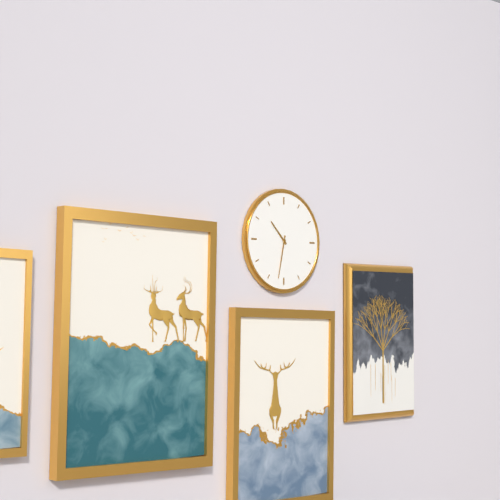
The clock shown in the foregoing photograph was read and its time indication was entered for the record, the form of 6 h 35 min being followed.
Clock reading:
10 h 32 min
